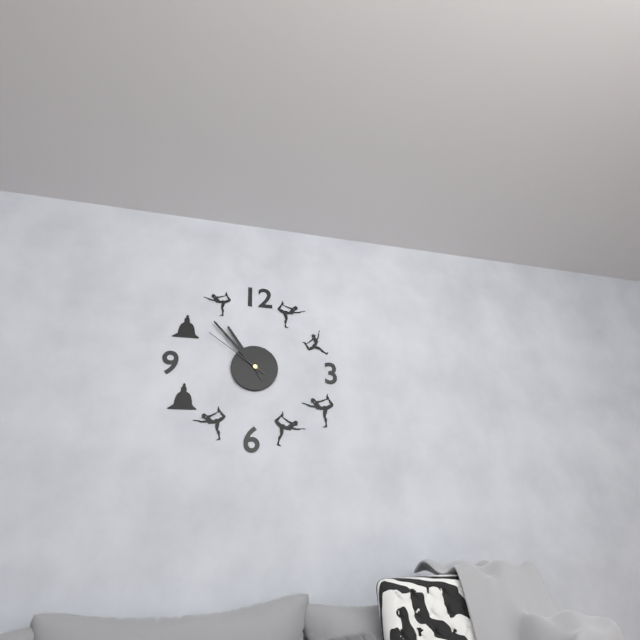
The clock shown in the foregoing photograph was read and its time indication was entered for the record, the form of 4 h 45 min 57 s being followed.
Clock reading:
10 h 53 min 51 s
